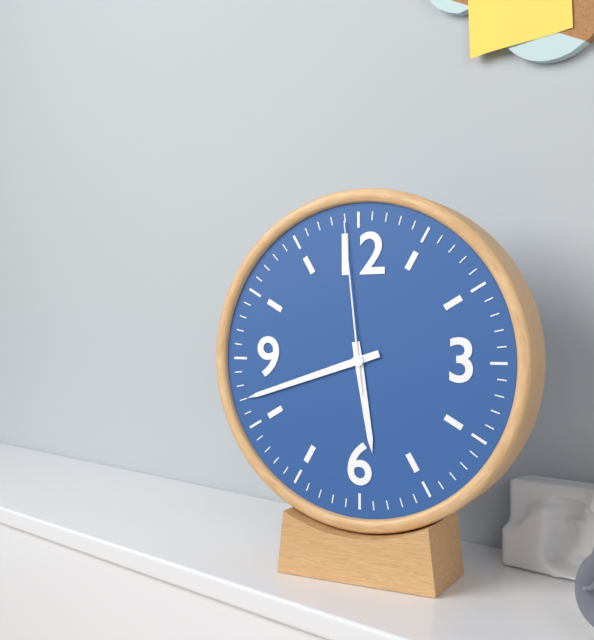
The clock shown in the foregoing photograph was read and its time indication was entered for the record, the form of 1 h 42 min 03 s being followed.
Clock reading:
5 h 42 min 59 s
